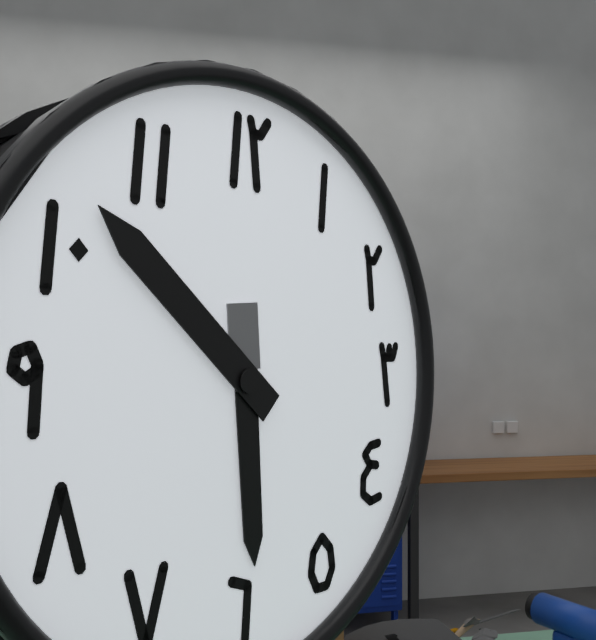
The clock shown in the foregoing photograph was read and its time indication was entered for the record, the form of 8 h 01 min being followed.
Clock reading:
5 h 52 min
